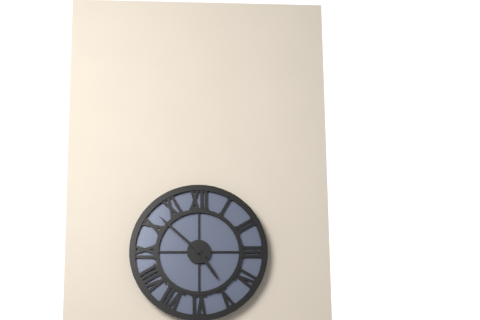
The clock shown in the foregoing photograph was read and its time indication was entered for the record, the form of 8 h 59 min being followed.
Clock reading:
4 h 52 min
